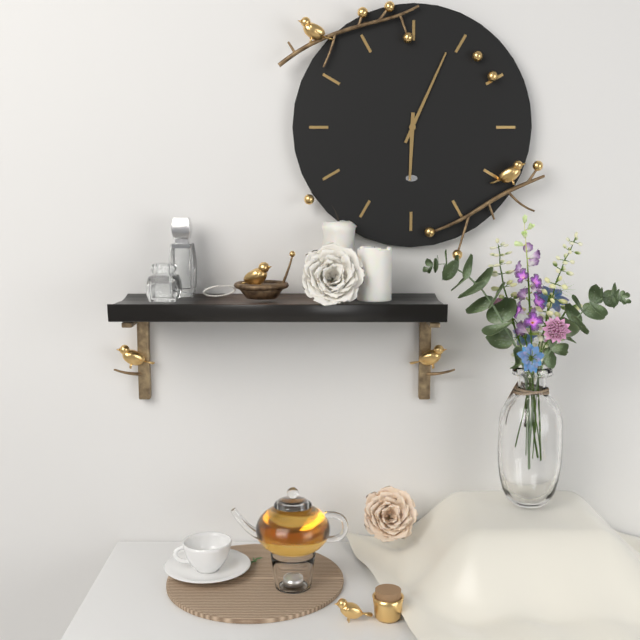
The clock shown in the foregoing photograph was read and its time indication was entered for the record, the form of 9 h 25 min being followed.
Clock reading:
6 h 04 min
